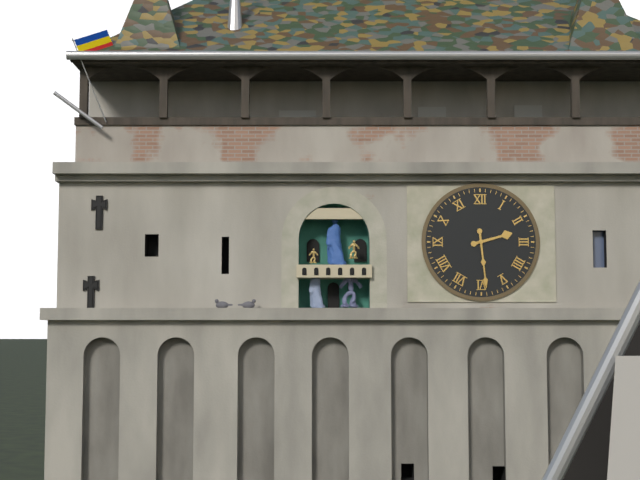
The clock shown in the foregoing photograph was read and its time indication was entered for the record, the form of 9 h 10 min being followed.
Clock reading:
2 h 29 min
